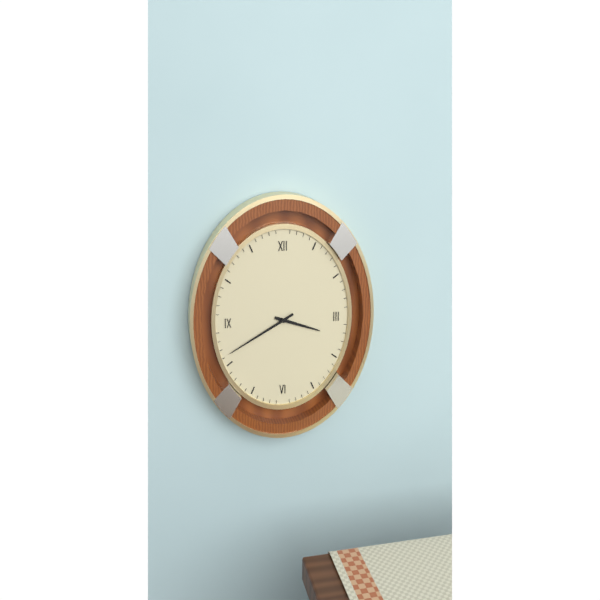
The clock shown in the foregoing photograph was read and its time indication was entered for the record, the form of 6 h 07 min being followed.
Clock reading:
3 h 40 min
